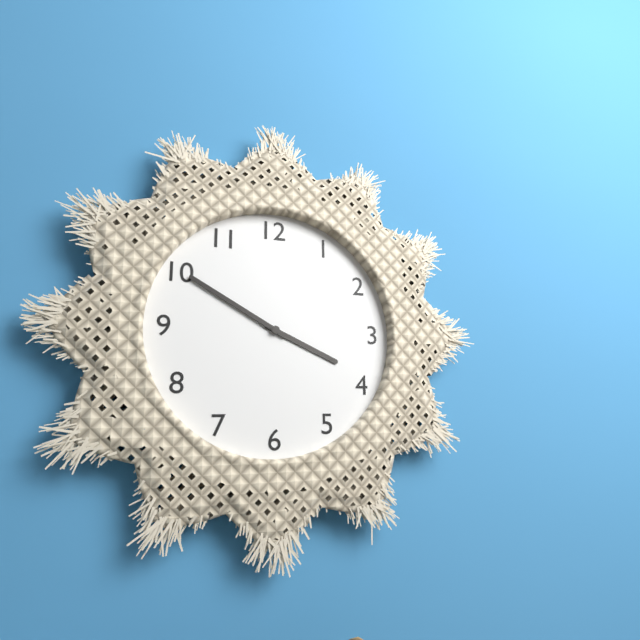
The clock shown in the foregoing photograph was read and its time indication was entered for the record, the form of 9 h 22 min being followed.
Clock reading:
3 h 50 min
